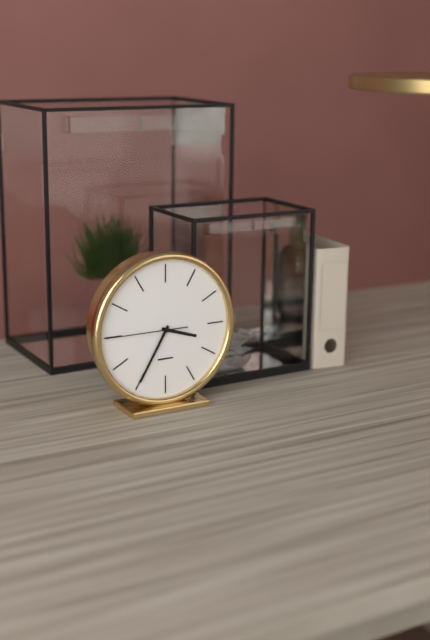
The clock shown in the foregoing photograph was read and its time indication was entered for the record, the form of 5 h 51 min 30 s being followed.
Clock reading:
3 h 35 min 45 s
